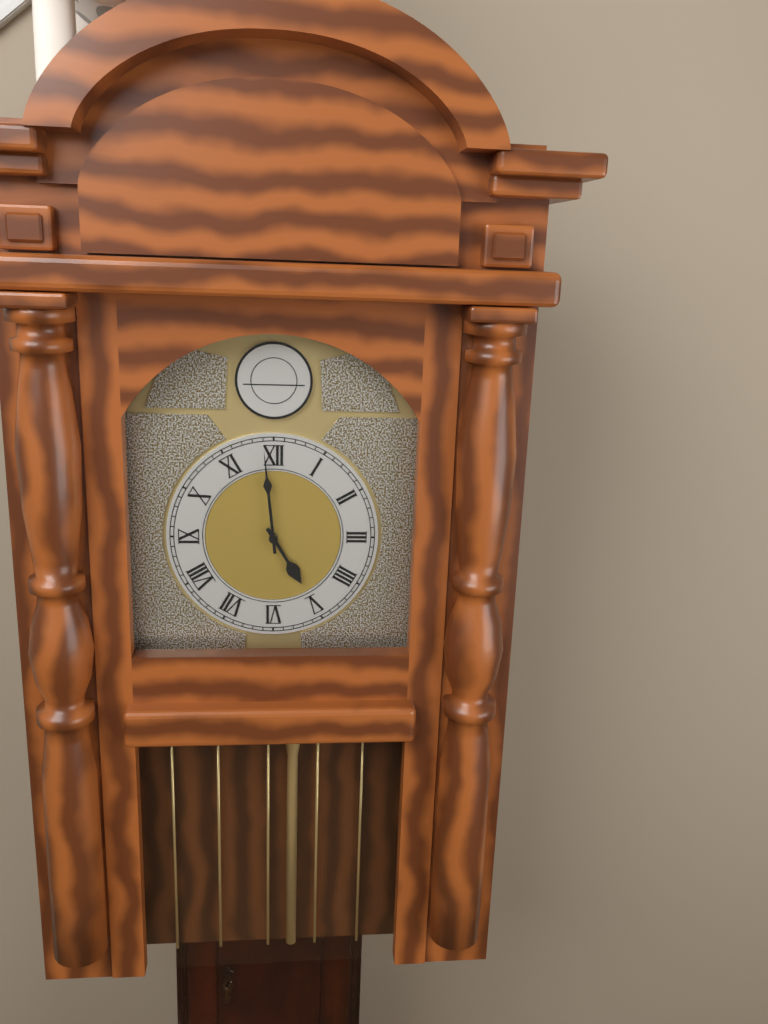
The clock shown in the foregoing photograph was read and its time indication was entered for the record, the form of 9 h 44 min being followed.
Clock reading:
4 h 59 min
